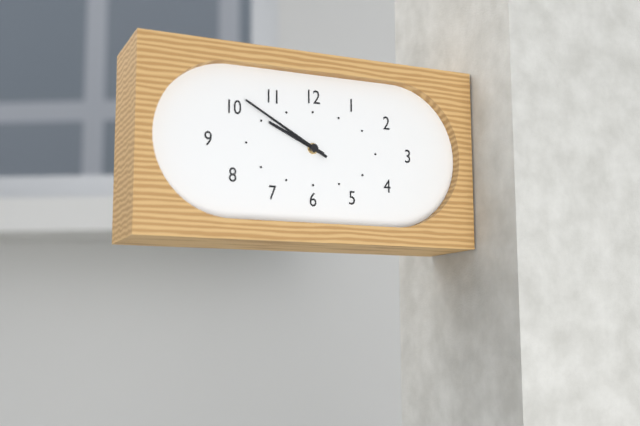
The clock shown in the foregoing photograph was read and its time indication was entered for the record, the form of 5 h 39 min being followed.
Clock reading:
9 h 50 min
